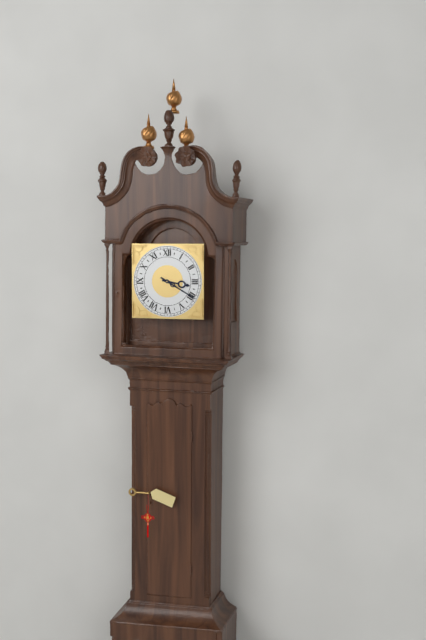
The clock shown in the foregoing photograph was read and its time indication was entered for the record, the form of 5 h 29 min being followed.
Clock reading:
3 h 20 min
